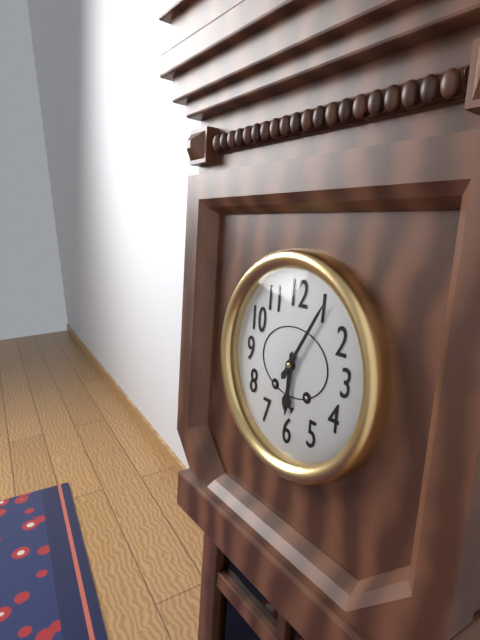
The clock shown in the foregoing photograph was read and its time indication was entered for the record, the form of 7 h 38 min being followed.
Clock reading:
6 h 05 min
